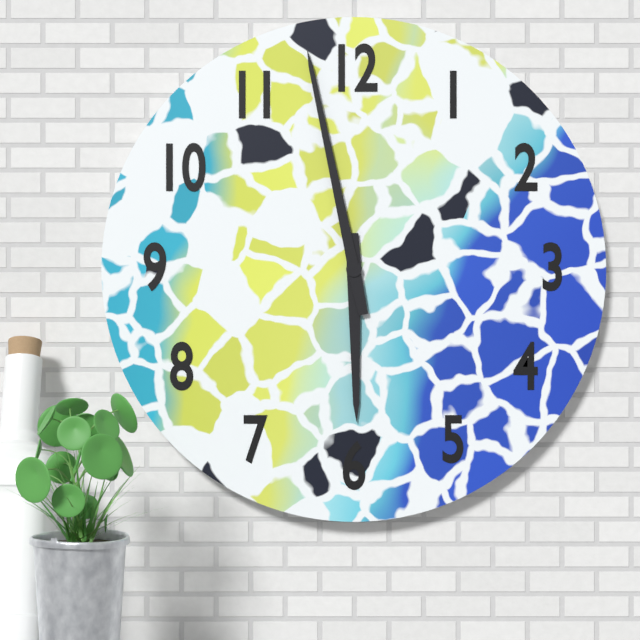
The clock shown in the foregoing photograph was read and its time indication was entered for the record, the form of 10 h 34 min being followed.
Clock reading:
5 h 58 min
